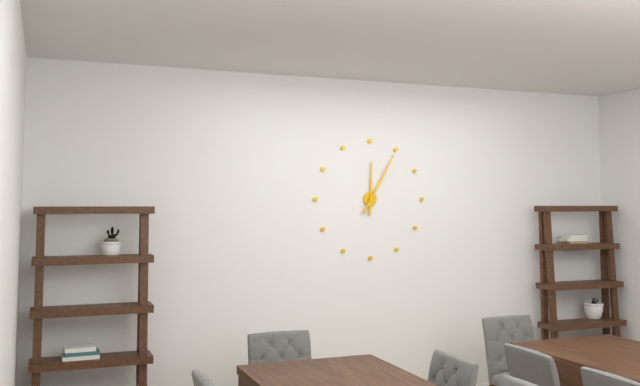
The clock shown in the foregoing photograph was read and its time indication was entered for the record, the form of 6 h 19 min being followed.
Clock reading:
12 h 05 min
